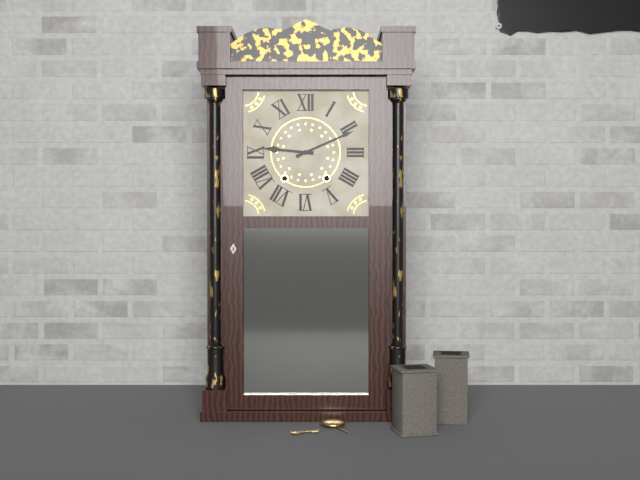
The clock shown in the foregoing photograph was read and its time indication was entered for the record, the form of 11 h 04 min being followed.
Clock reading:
9 h 11 min
